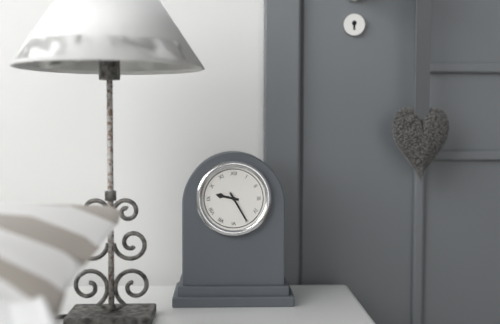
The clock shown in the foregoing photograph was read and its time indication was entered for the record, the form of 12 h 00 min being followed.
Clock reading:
9 h 25 min
